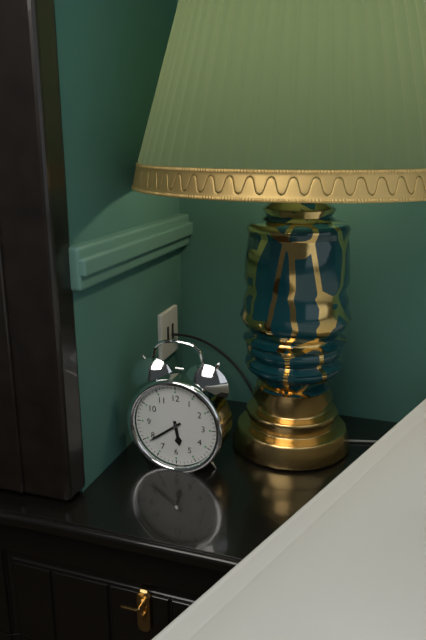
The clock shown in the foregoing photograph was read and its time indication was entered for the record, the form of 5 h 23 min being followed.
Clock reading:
5 h 39 min
